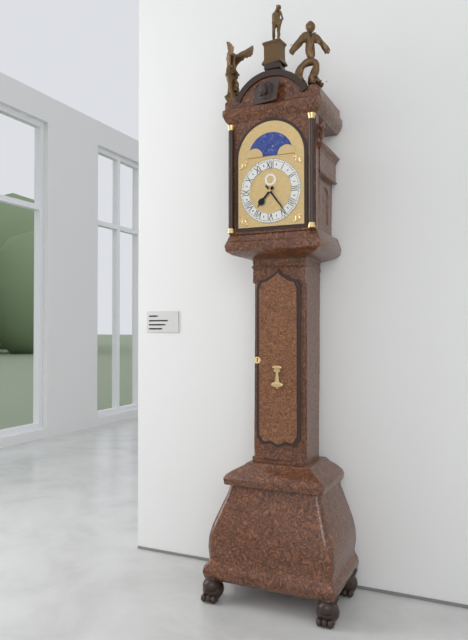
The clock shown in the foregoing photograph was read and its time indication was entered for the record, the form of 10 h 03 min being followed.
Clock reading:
7 h 24 min
